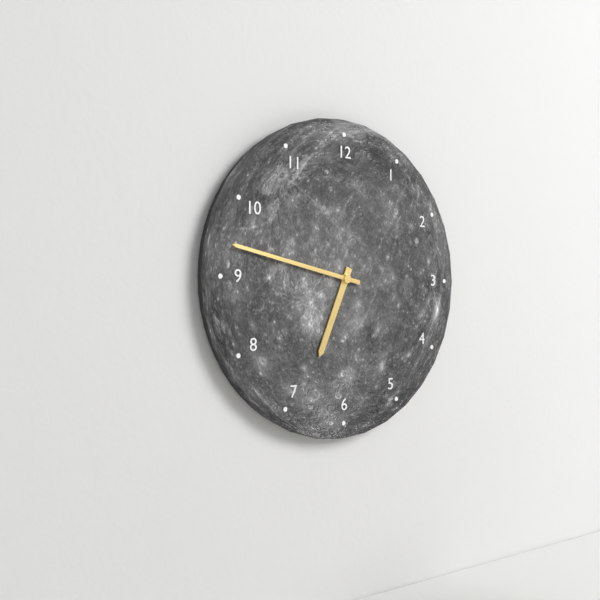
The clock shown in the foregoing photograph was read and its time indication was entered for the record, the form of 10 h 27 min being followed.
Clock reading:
6 h 47 min
